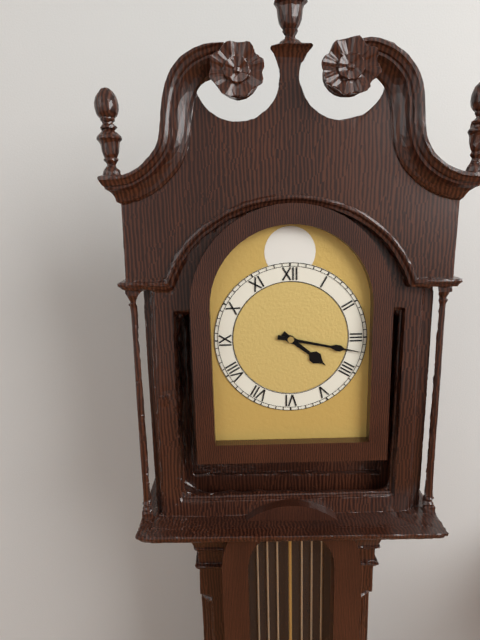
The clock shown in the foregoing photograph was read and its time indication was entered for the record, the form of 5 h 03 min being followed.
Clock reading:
4 h 17 min
